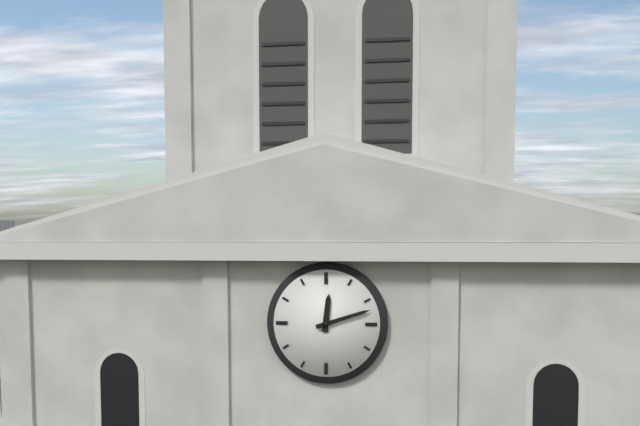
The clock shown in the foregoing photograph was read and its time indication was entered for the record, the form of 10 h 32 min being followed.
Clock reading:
12 h 12 min
